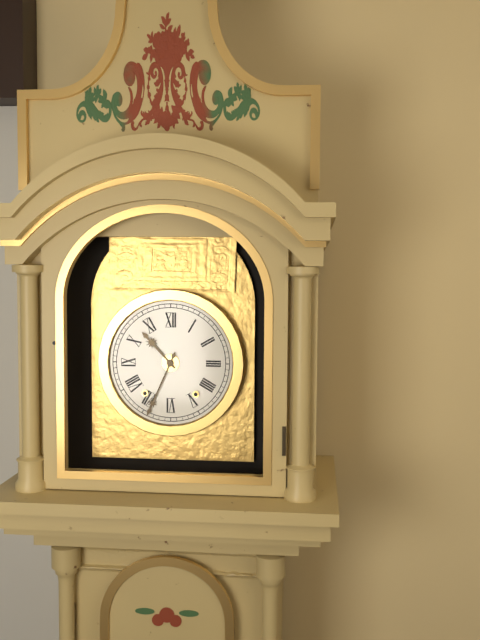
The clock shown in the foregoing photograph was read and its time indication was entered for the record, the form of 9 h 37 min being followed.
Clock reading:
10 h 34 min
